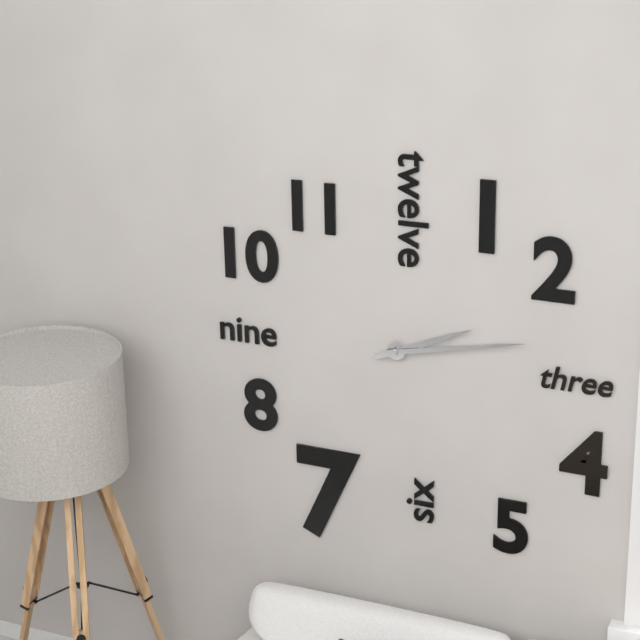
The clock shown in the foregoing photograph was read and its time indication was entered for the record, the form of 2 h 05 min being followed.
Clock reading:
2 h 13 min
